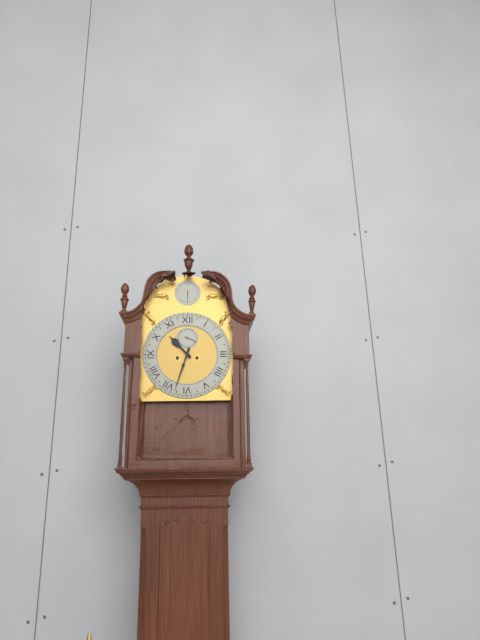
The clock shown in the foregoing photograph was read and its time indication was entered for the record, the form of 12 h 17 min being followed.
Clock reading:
10 h 33 min
